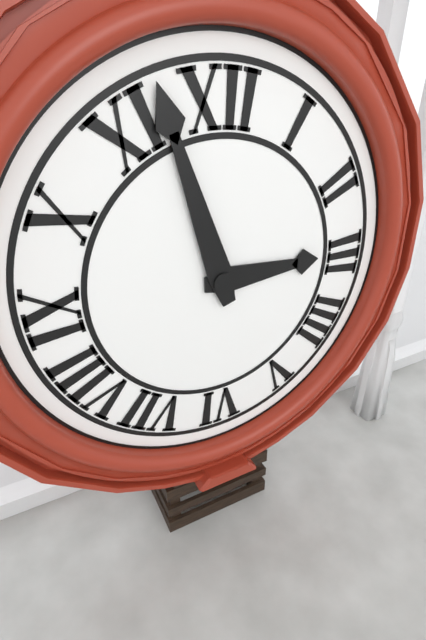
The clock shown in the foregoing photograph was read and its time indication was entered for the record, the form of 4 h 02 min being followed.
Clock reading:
2 h 57 min
